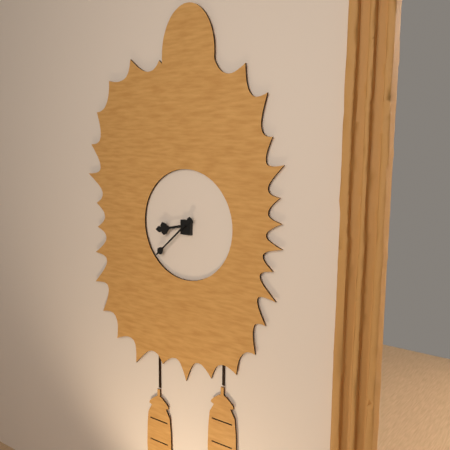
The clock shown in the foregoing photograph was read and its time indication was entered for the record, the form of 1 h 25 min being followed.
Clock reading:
8 h 38 min
